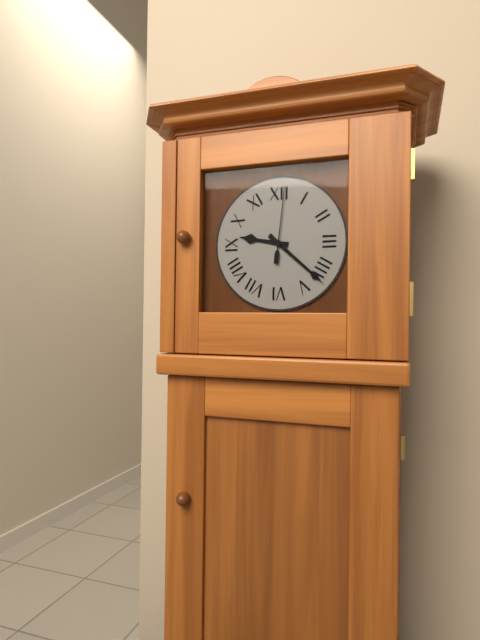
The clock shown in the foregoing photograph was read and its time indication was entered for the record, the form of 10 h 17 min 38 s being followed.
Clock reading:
9 h 22 min 01 s
